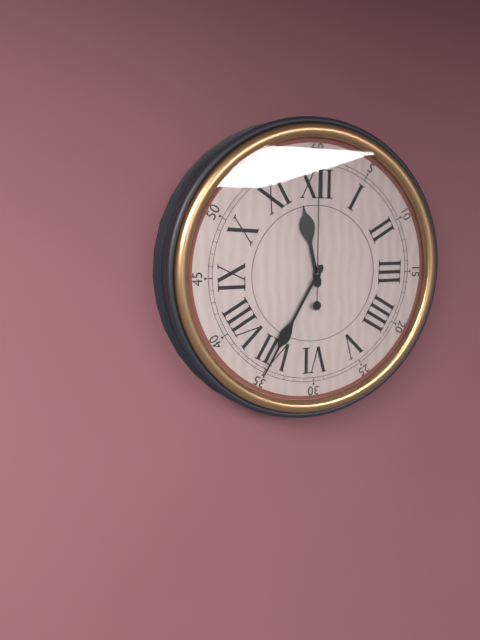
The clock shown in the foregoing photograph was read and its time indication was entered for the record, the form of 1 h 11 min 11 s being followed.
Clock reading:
11 h 35 min 00 s
